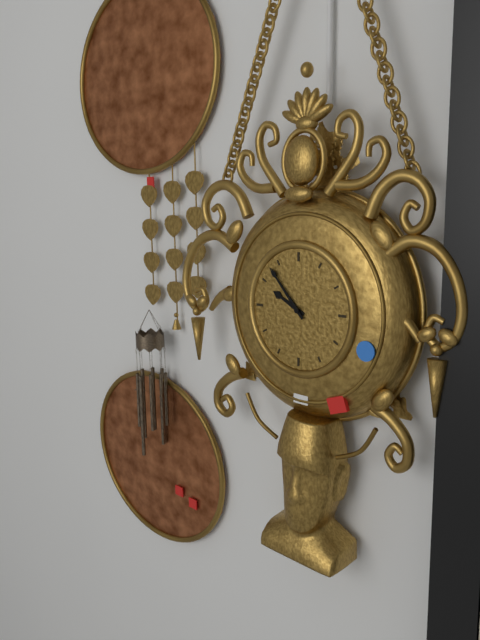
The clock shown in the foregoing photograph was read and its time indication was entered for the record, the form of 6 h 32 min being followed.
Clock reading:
9 h 53 min
